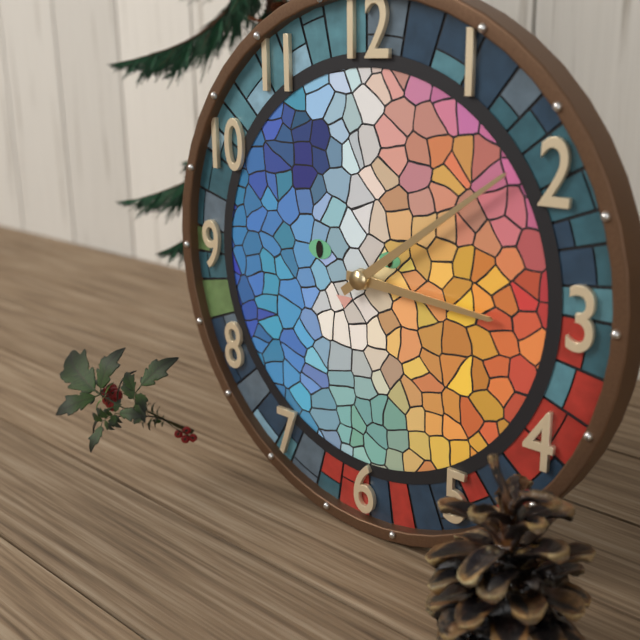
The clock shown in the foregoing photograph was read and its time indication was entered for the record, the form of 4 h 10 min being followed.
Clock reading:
3 h 09 min
